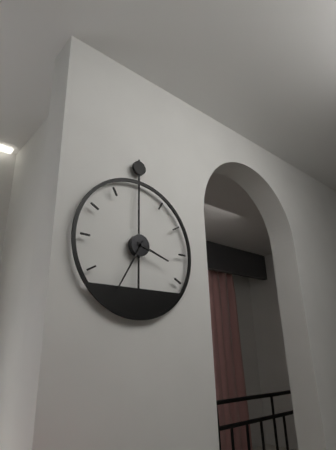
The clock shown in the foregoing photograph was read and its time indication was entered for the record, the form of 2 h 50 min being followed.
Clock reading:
3 h 35 min
